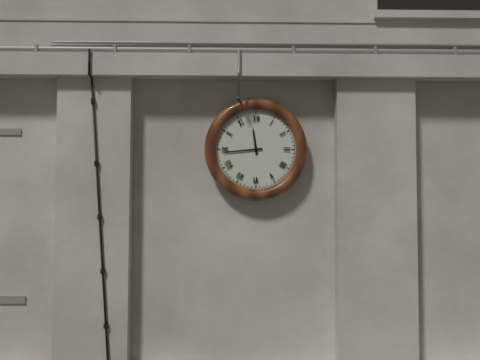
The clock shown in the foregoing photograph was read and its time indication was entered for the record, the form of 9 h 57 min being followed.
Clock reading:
11 h 44 min
